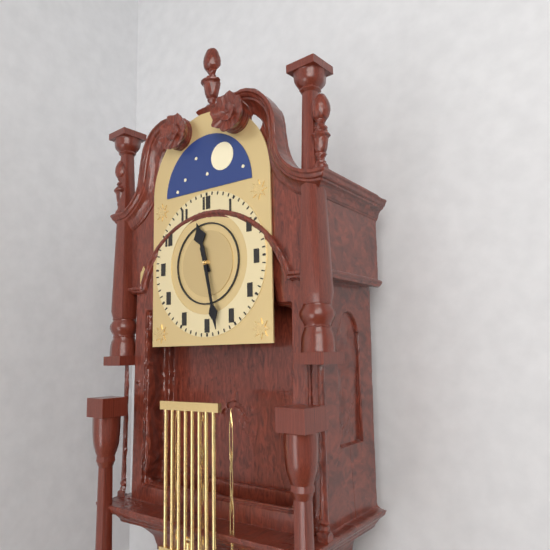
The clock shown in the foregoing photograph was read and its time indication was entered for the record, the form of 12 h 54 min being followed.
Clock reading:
11 h 28 min
